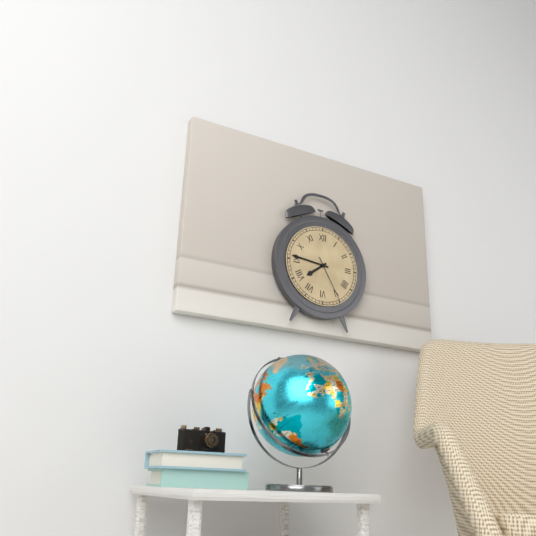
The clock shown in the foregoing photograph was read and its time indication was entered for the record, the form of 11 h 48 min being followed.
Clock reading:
7 h 46 min
